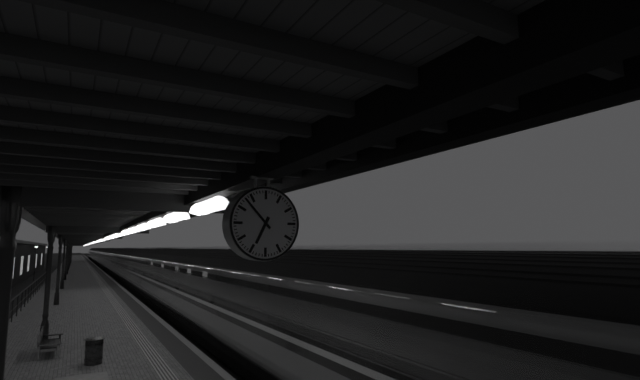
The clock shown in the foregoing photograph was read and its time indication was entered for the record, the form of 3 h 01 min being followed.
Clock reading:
6 h 53 min
